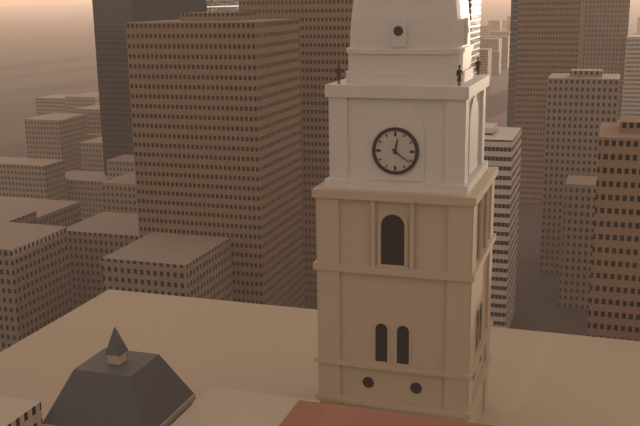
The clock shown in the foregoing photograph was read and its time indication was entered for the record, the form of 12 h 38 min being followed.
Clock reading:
12 h 21 min
